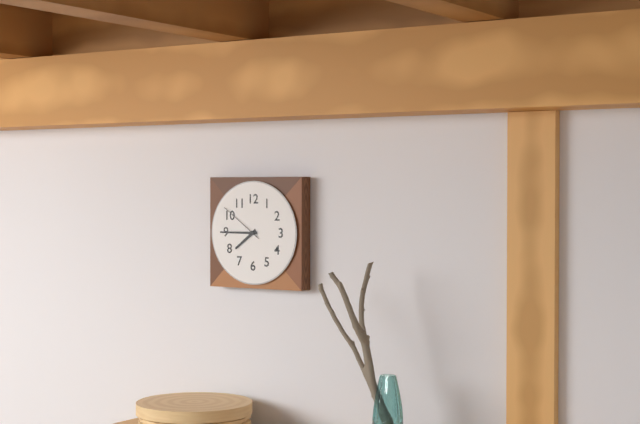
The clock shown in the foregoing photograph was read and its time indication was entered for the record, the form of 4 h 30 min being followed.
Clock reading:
7 h 45 min
